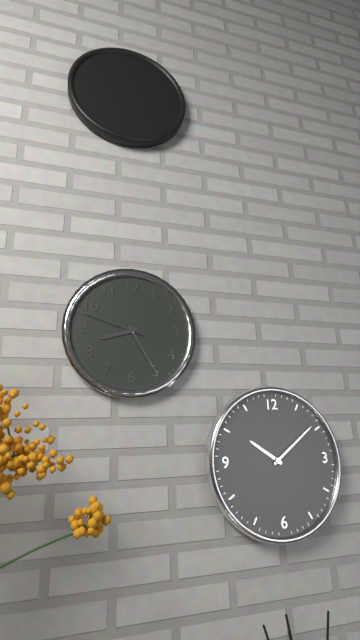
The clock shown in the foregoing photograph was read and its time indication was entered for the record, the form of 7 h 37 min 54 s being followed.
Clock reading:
8 h 25 min 48 s
